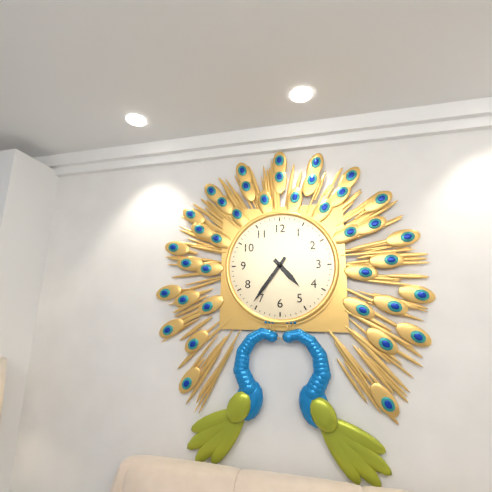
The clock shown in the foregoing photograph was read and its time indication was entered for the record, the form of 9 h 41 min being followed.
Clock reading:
4 h 36 min
